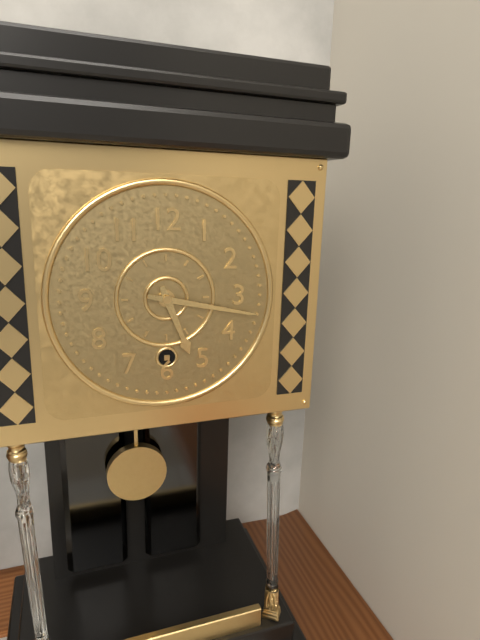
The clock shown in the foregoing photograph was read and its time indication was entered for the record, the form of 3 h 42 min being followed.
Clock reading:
5 h 17 min
